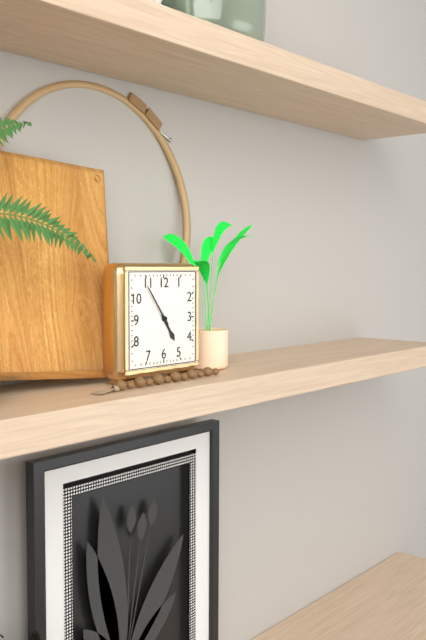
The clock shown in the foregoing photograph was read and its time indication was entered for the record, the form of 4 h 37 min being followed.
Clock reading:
4 h 54 min
